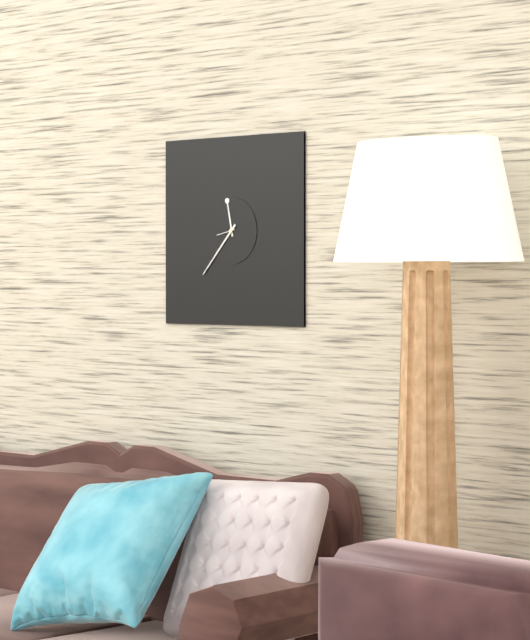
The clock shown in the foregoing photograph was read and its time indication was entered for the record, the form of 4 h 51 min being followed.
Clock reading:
11 h 37 min
